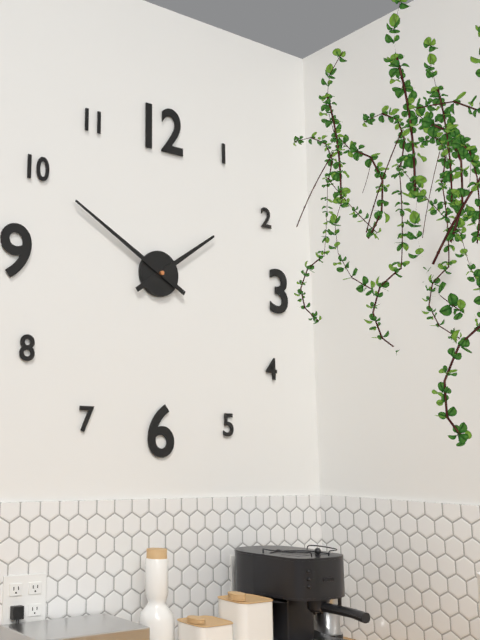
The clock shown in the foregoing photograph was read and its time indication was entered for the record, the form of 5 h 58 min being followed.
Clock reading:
1 h 50 min
